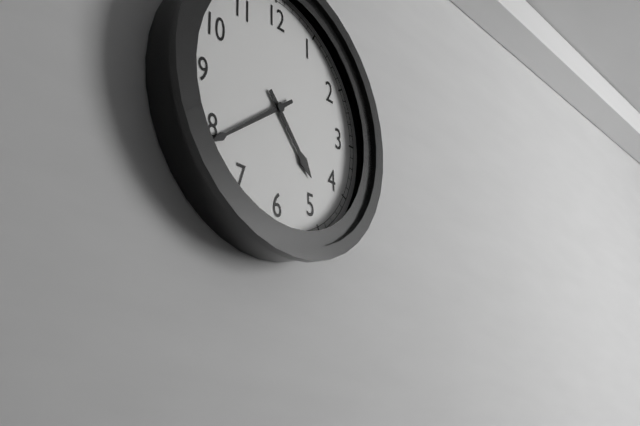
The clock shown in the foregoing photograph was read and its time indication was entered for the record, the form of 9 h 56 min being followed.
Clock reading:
4 h 39 min
